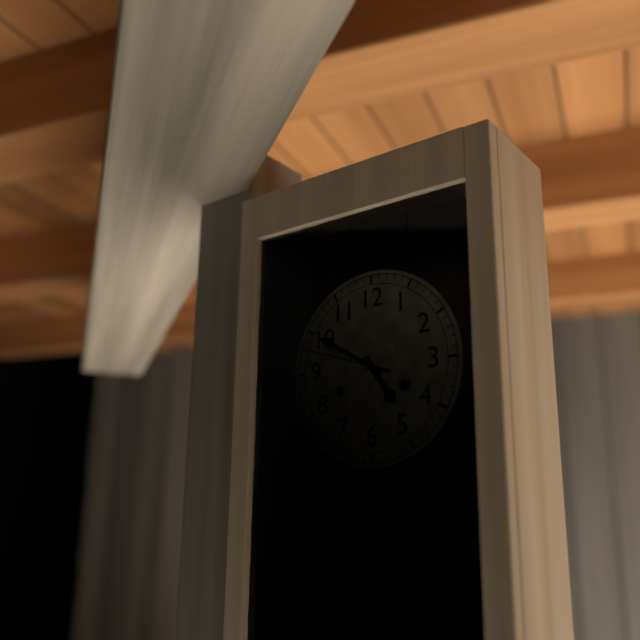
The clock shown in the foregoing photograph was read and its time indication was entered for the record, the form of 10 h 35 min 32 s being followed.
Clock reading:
4 h 50 min 48 s
